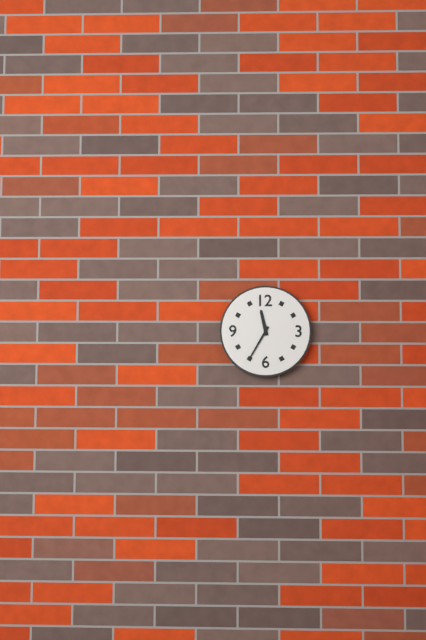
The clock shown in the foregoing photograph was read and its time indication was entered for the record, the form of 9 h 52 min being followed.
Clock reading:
11 h 35 min
